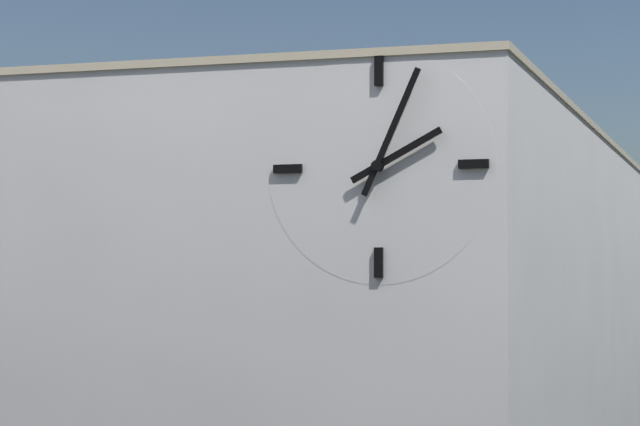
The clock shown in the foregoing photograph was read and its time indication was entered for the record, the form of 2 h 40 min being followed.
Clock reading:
2 h 04 min
